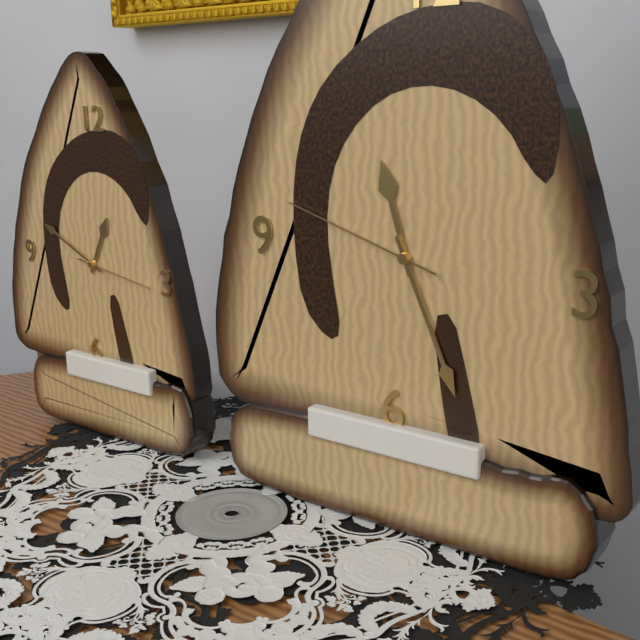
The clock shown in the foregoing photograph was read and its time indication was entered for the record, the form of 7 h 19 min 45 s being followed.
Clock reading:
11 h 26 min 48 s
